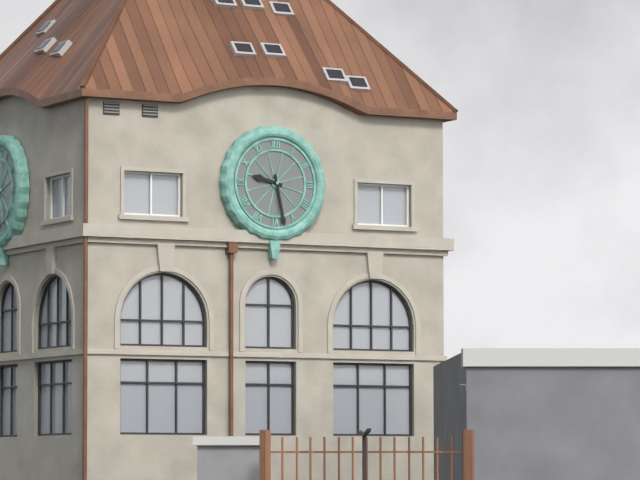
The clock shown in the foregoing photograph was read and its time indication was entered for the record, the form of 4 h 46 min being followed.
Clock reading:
9 h 28 min
